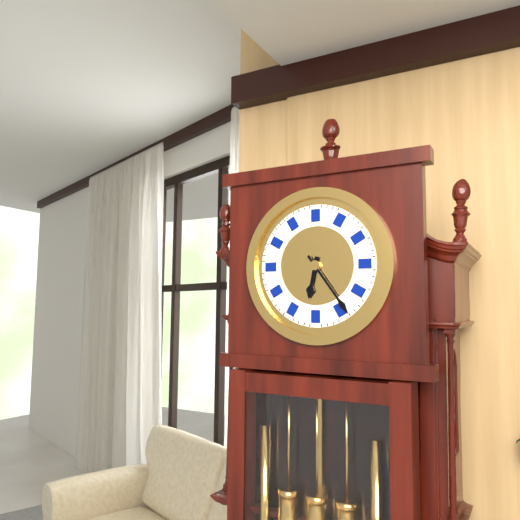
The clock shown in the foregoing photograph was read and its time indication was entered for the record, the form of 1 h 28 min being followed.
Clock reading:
6 h 24 min
